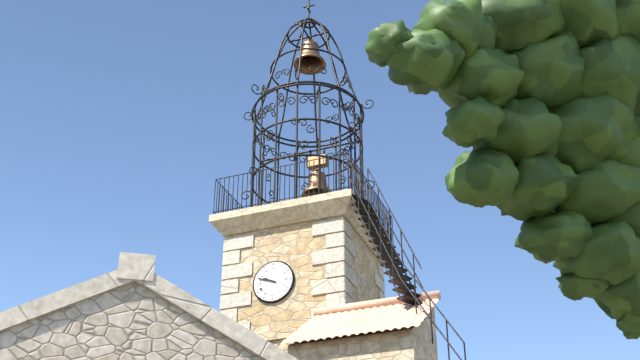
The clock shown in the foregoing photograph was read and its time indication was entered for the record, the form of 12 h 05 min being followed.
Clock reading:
9 h 48 min
